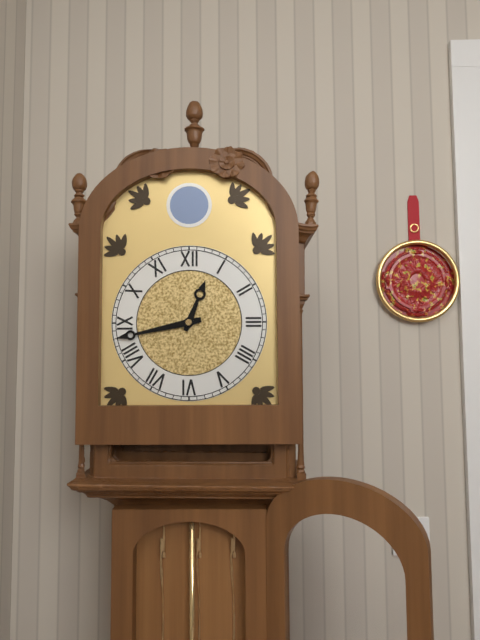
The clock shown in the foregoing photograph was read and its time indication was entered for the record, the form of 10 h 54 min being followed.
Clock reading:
12 h 43 min
